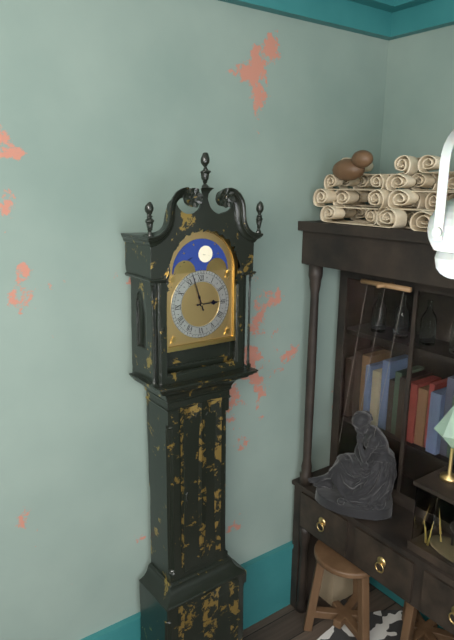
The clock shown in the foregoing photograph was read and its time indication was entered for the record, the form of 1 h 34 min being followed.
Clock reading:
2 h 57 min
